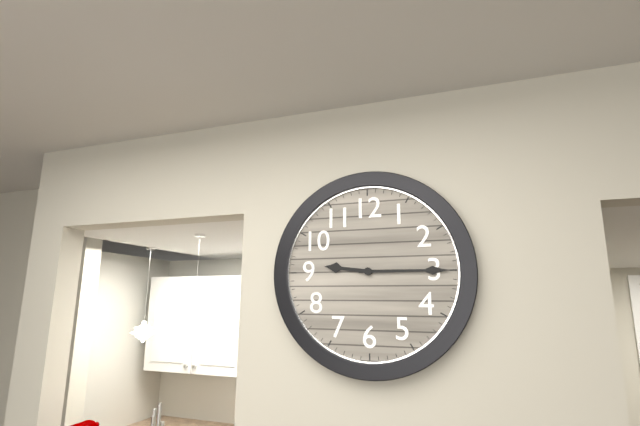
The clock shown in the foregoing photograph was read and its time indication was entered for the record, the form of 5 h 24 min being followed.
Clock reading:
9 h 15 min
